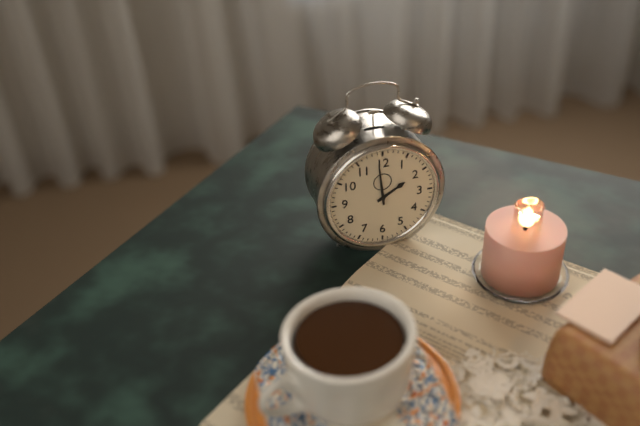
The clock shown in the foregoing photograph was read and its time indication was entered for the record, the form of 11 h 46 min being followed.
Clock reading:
1 h 59 min
